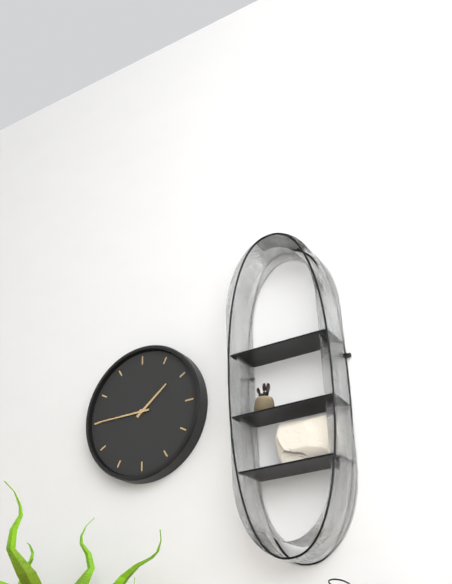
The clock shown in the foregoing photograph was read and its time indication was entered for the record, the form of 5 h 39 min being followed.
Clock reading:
1 h 45 min
